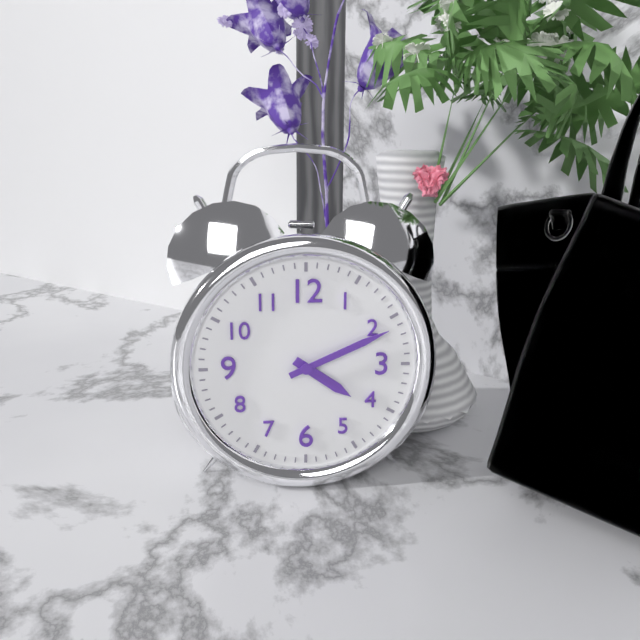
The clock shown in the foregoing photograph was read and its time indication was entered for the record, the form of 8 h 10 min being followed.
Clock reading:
4 h 11 min
